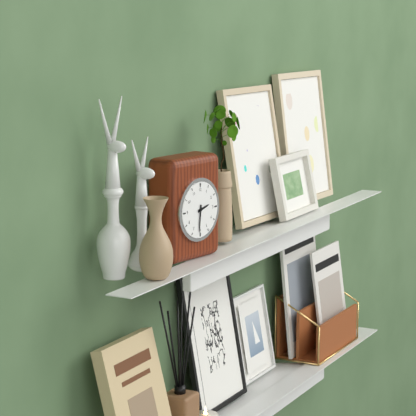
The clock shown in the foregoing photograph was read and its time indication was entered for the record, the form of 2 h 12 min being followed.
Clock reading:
2 h 31 min
